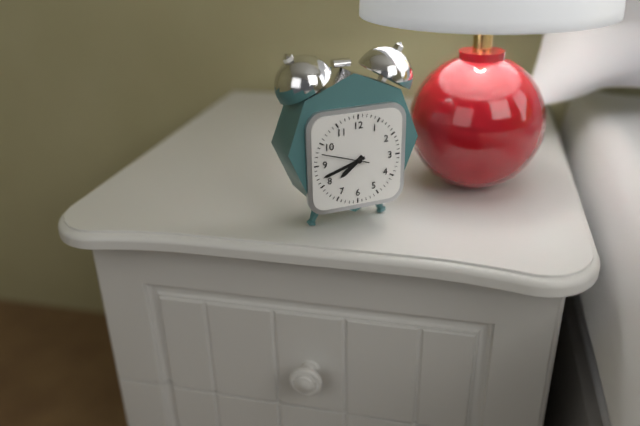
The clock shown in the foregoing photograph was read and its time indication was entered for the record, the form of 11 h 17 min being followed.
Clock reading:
7 h 42 min
